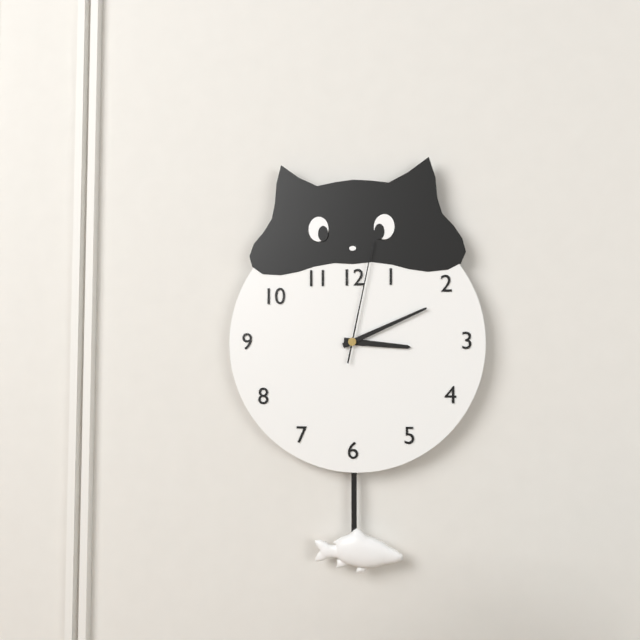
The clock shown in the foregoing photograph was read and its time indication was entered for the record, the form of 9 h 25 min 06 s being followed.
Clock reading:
3 h 11 min 02 s
